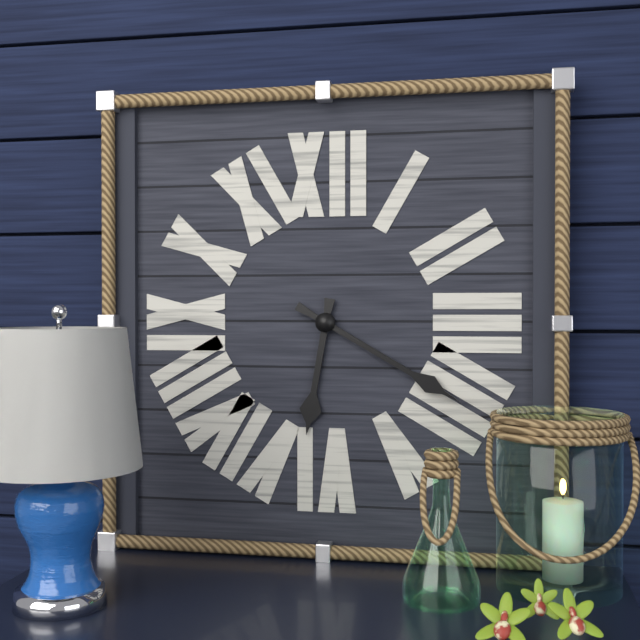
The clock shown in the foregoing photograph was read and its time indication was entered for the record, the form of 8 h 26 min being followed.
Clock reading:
6 h 20 min
